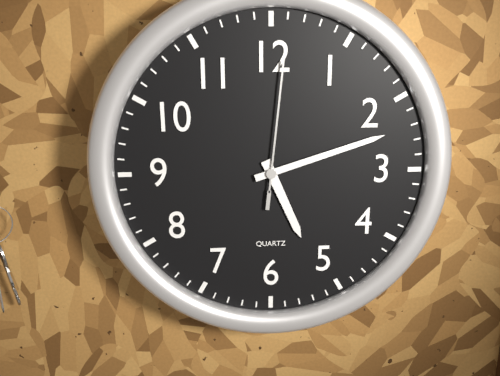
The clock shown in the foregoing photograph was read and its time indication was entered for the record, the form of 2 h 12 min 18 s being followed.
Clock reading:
5 h 12 min 01 s
